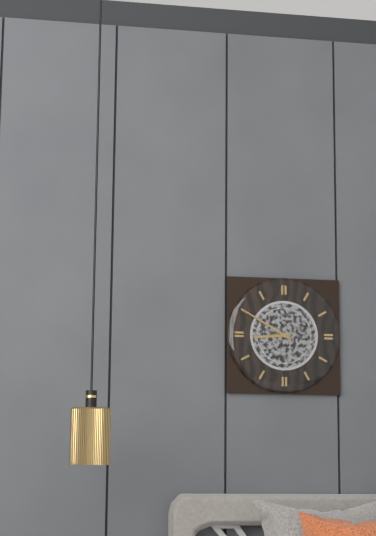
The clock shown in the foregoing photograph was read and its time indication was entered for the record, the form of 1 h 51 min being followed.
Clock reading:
8 h 50 min
